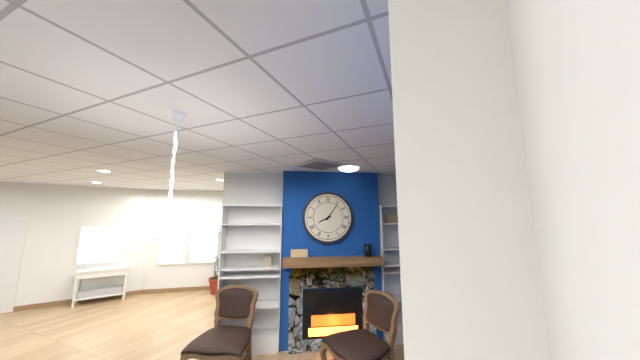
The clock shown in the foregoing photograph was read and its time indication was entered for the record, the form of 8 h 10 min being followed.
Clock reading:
8 h 06 min
